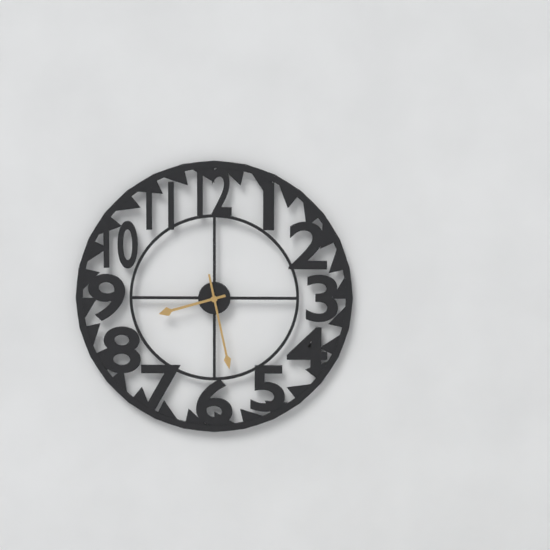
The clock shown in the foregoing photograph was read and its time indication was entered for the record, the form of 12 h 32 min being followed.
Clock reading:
8 h 28 min
